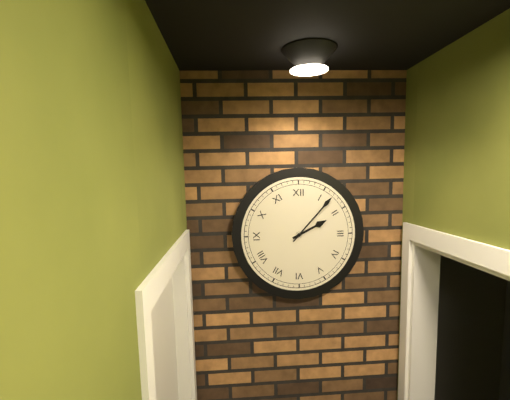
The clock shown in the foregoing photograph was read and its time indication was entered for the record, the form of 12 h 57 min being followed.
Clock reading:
2 h 07 min
